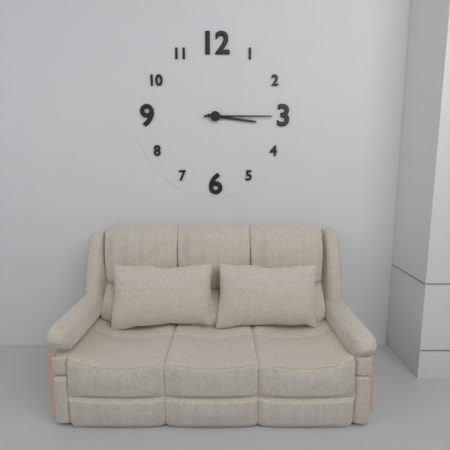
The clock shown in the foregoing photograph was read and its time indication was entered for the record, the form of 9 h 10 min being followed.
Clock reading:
3 h 15 min
